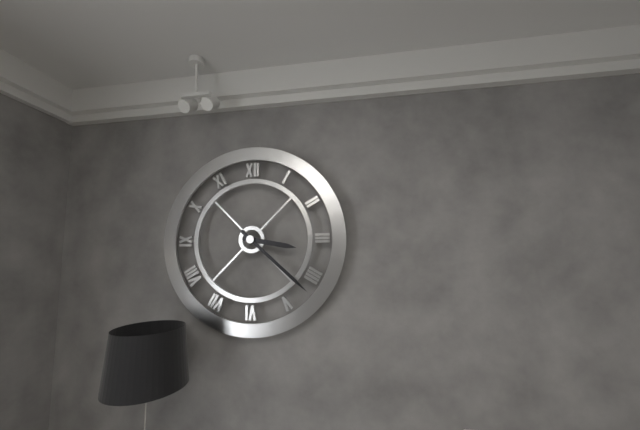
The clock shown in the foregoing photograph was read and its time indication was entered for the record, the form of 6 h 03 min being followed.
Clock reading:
3 h 22 min
